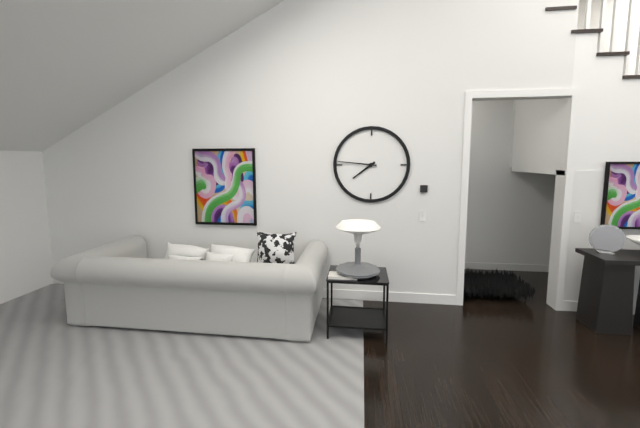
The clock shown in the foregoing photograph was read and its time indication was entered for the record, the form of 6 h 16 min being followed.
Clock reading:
7 h 46 min
